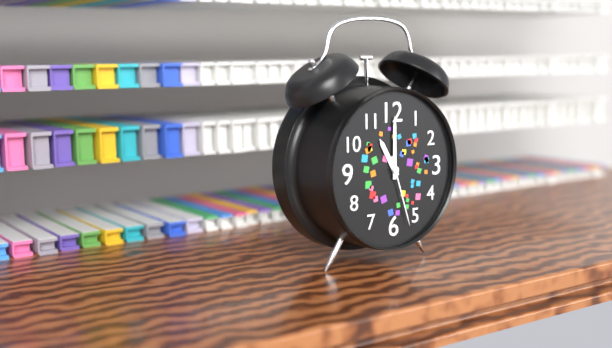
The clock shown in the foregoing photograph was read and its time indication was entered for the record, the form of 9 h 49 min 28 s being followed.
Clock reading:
11 h 00 min 27 s
